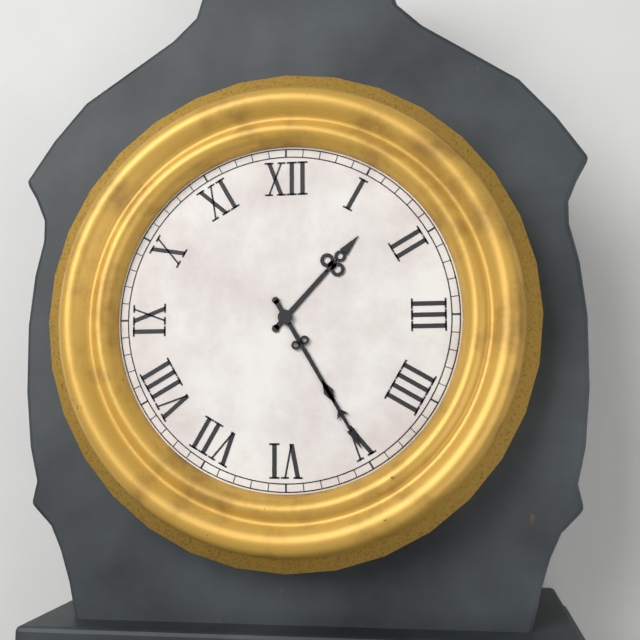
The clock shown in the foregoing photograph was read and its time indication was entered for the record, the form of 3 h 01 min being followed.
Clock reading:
1 h 25 min
